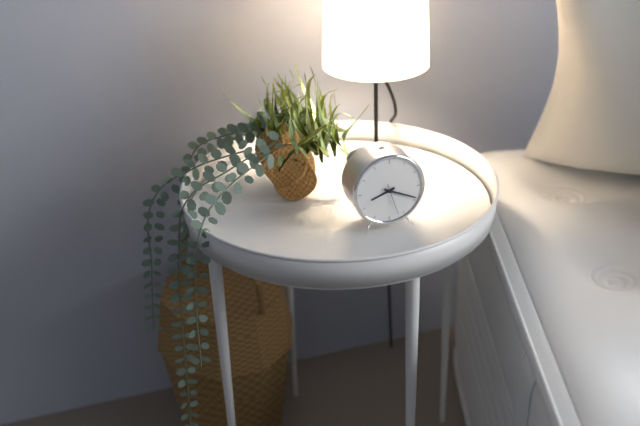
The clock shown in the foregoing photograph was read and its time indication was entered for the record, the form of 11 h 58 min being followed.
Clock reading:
8 h 19 min
